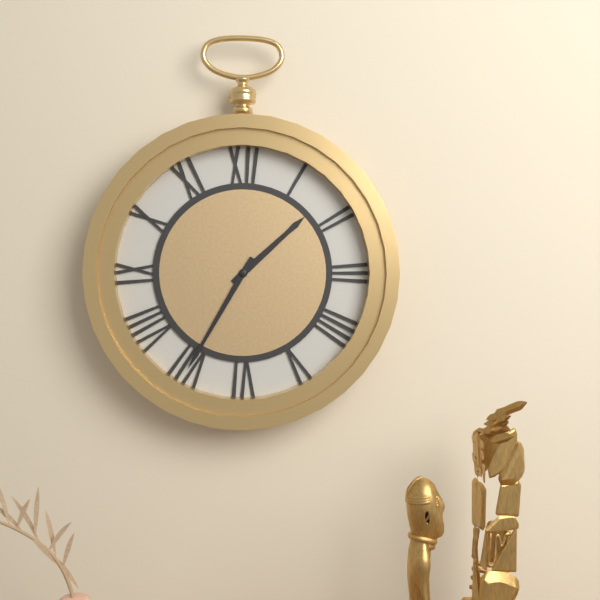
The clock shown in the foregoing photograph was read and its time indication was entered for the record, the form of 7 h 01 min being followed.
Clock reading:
1 h 35 min
